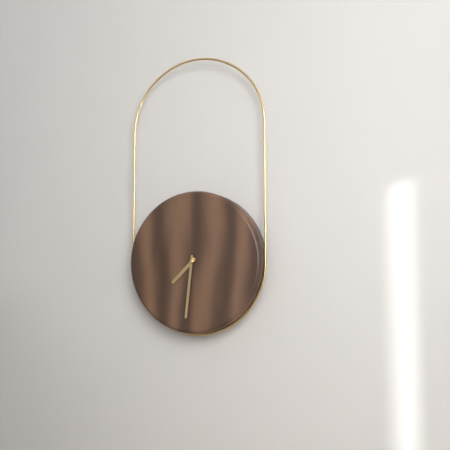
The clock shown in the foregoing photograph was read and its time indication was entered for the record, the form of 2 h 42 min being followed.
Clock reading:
7 h 31 min
